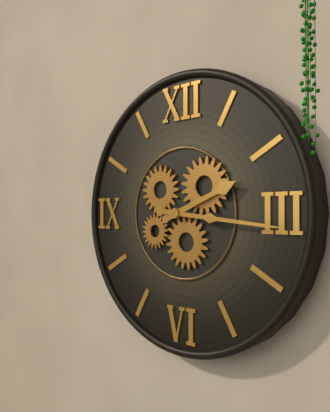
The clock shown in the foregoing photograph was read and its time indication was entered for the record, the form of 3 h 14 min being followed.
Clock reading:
2 h 16 min
